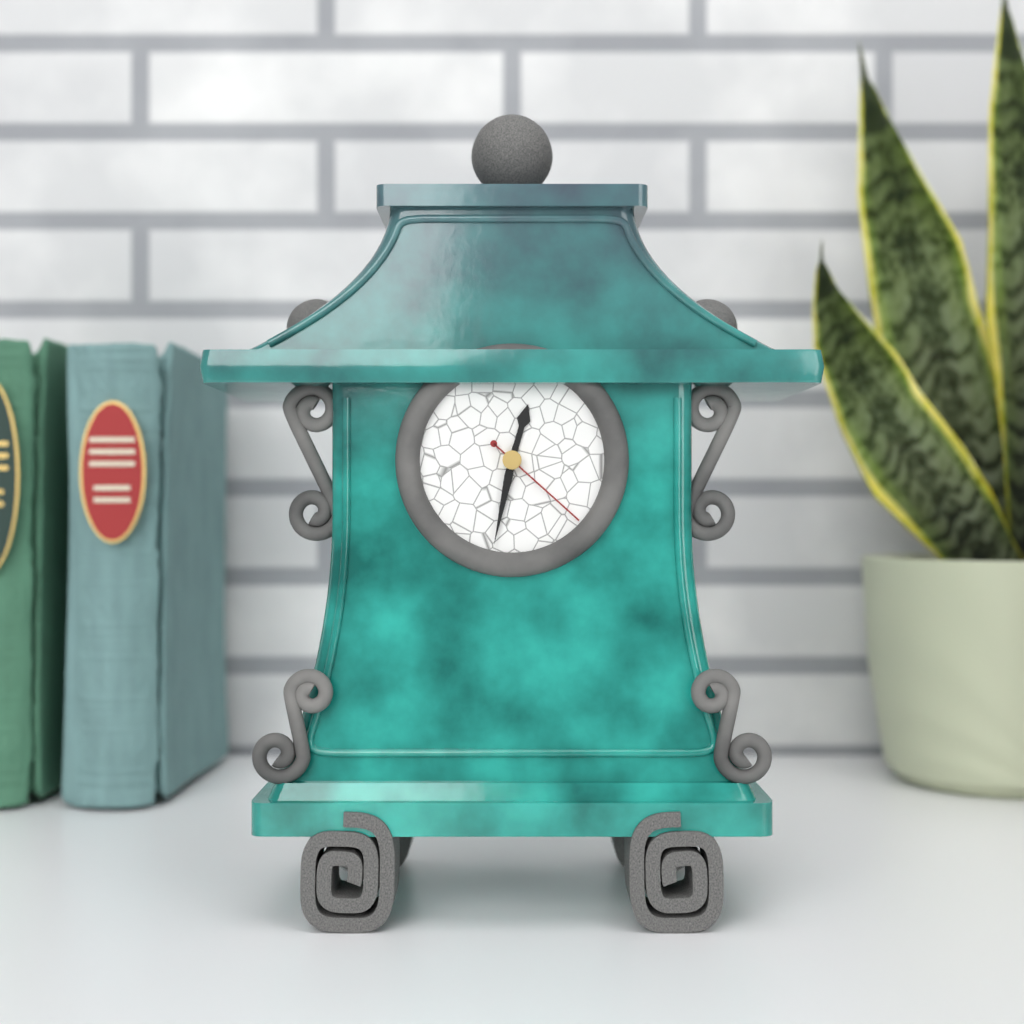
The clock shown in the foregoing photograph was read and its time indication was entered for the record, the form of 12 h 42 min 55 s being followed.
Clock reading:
12 h 32 min 22 s
